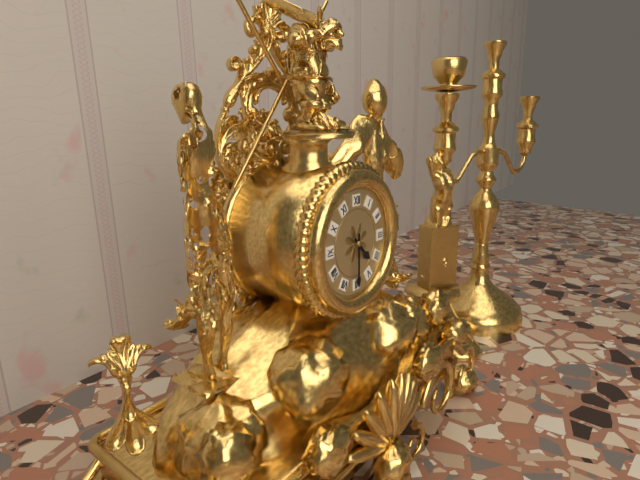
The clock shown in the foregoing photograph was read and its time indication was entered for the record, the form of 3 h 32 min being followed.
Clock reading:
4 h 30 min
